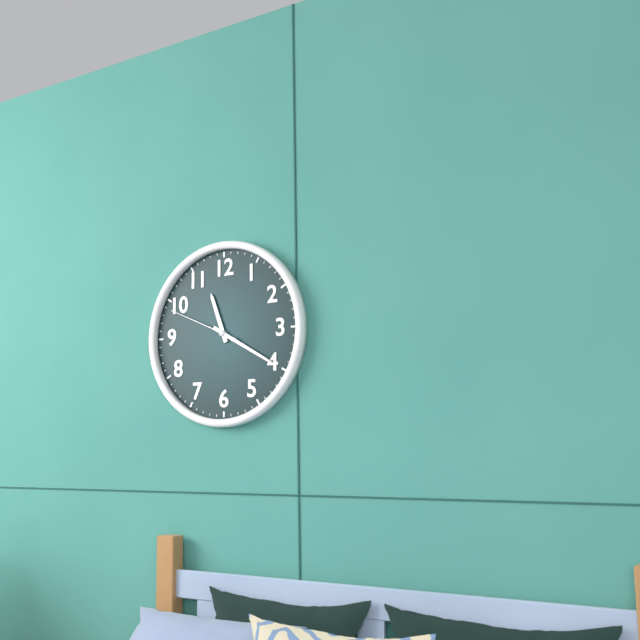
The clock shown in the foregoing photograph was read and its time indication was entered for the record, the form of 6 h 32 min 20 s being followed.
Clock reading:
11 h 20 min 49 s
